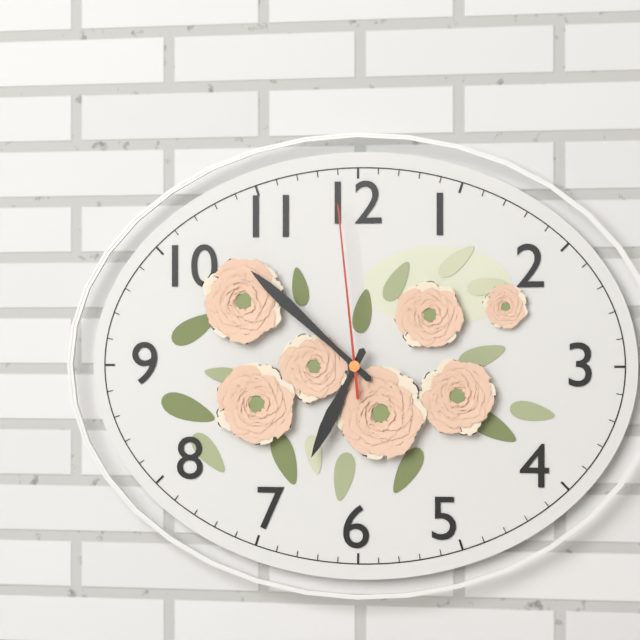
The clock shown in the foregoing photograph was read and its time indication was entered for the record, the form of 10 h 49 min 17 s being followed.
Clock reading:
6 h 52 min 59 s
